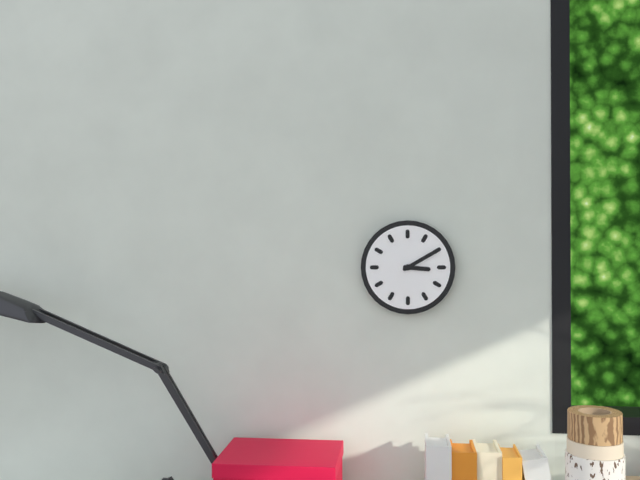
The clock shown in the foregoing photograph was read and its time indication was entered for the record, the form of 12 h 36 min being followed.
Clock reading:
3 h 10 min
